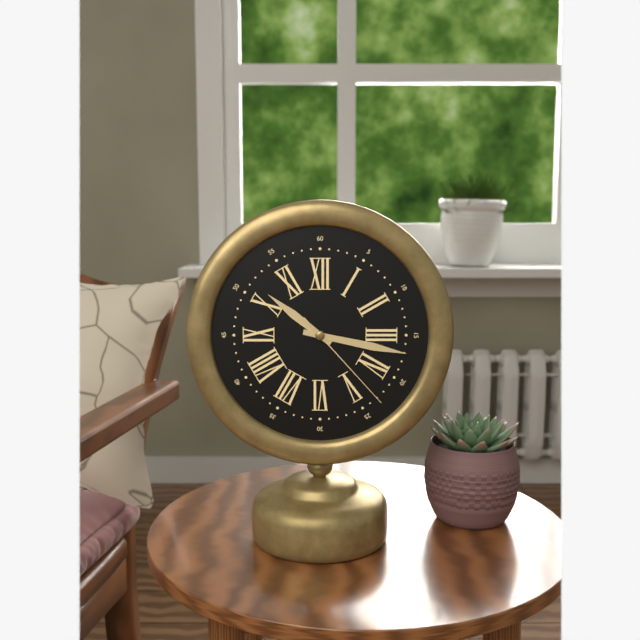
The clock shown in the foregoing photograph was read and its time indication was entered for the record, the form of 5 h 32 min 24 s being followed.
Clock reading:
10 h 17 min 23 s
